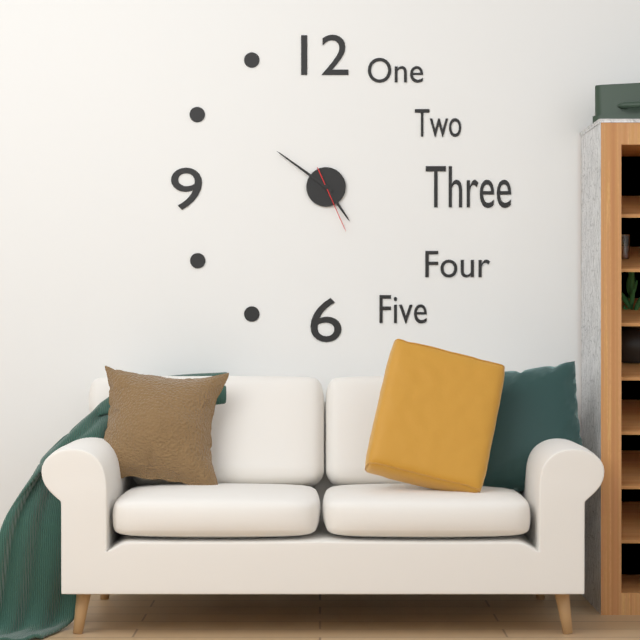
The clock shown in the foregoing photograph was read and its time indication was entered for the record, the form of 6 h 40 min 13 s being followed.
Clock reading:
4 h 51 min 26 s
